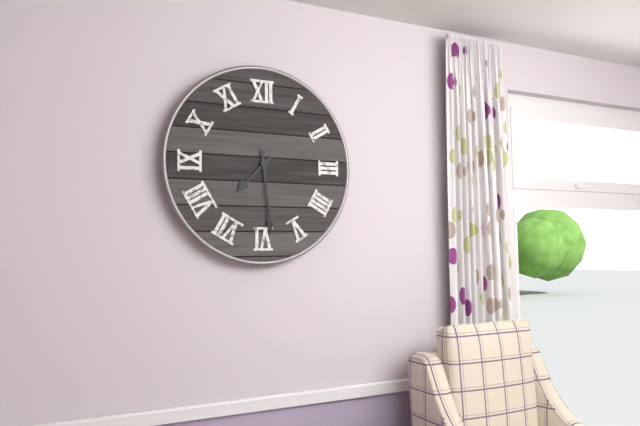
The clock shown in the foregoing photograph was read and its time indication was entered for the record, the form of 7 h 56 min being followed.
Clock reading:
7 h 29 min
